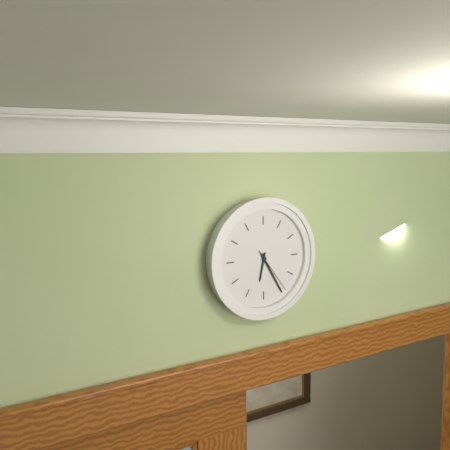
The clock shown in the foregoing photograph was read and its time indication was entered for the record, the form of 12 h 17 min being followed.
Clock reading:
6 h 25 min
